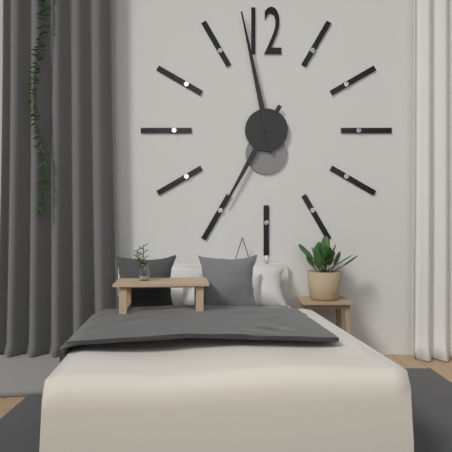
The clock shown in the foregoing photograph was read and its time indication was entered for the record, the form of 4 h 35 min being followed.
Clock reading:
6 h 58 min
